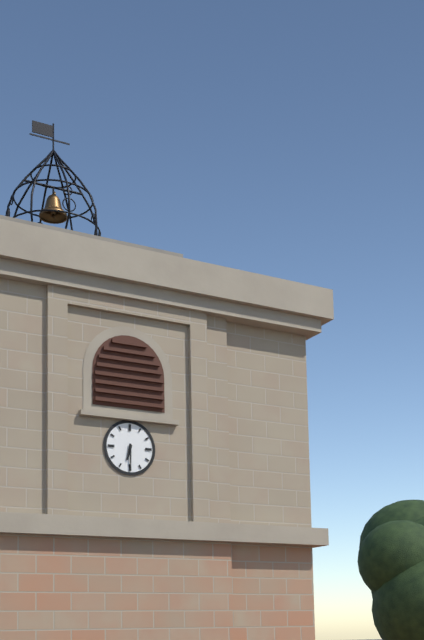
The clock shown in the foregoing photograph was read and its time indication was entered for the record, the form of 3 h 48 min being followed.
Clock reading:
6 h 30 min
